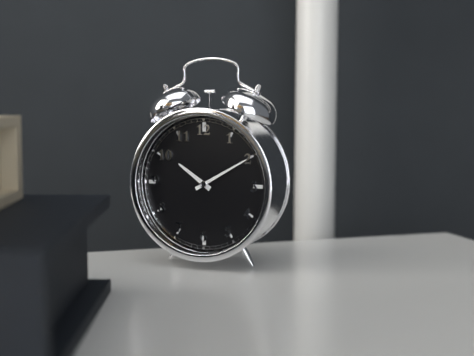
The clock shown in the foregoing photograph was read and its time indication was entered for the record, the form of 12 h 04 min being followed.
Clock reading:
10 h 10 min
